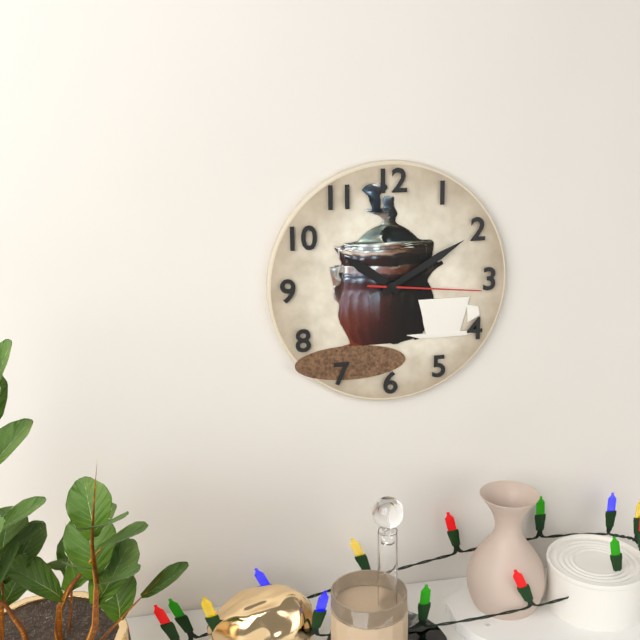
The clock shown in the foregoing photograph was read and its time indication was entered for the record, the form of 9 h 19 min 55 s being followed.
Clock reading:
10 h 10 min 16 s
